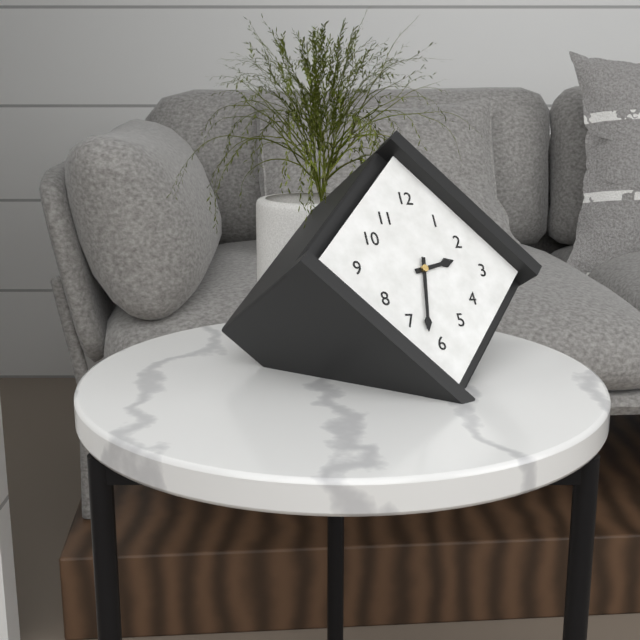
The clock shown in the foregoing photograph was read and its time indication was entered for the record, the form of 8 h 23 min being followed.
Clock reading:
2 h 32 min
